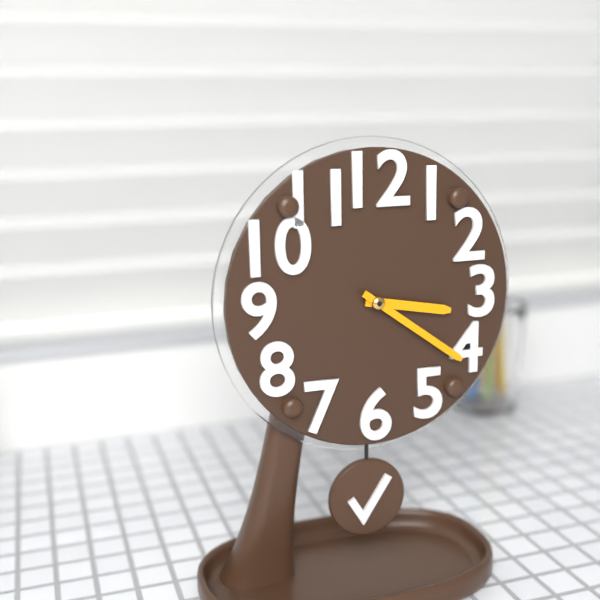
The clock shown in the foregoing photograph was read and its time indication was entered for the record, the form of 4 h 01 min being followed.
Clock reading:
3 h 21 min
